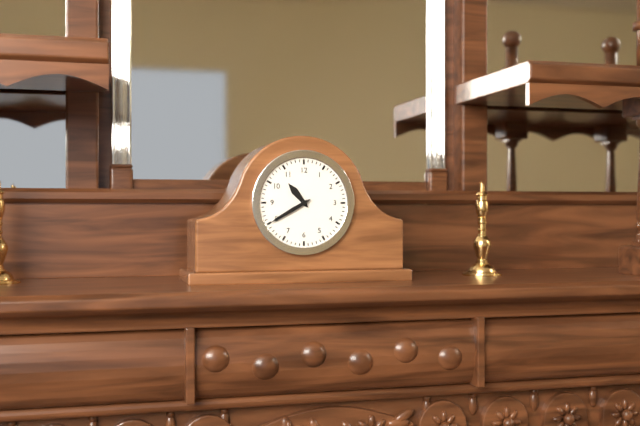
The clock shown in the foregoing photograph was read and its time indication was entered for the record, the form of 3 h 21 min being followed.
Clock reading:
10 h 40 min
